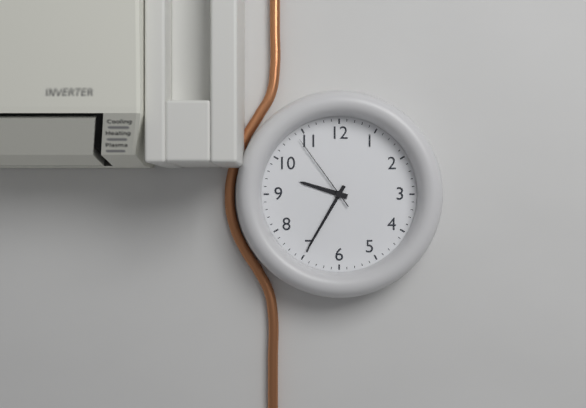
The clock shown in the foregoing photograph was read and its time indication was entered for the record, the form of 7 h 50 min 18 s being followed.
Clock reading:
9 h 35 min 54 s
